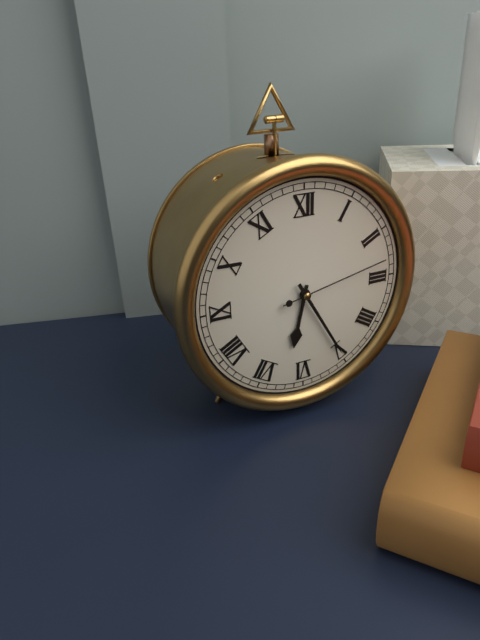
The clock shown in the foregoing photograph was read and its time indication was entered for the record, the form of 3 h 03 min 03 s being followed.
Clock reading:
6 h 25 min 13 s
